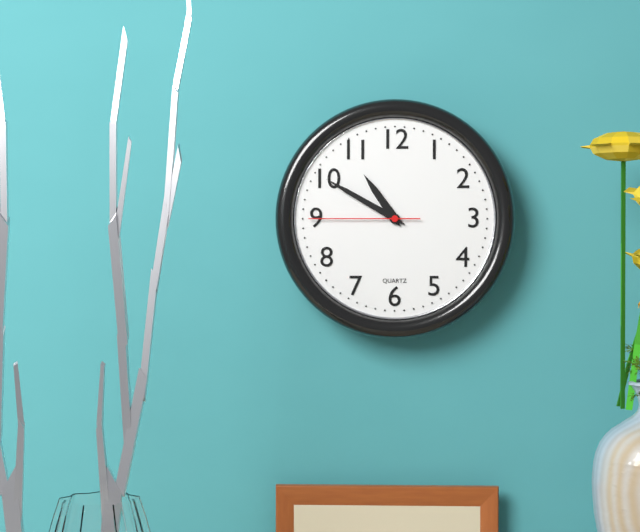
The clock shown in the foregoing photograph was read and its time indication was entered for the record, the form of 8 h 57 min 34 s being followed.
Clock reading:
10 h 50 min 45 s
